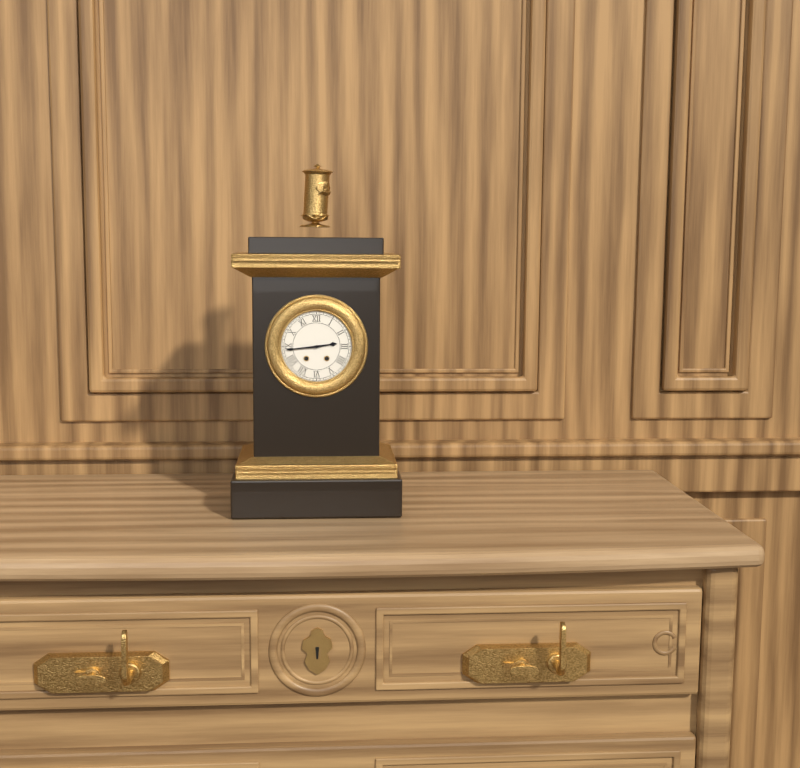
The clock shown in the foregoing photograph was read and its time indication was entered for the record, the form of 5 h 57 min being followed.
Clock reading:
2 h 44 min
